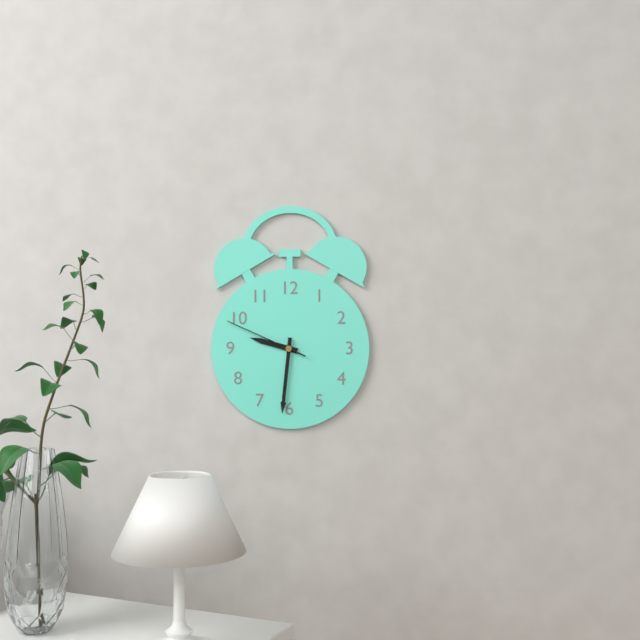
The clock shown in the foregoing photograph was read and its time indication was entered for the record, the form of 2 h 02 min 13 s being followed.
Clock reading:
9 h 31 min 49 s
